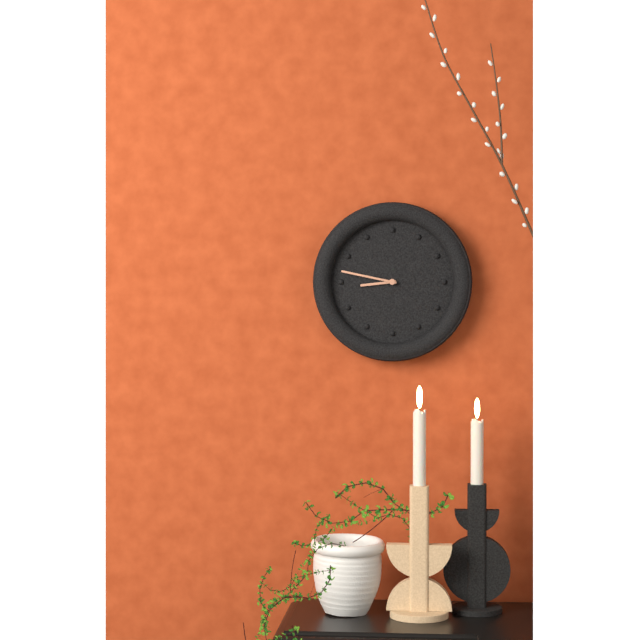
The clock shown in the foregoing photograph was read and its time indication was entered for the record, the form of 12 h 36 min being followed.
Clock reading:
8 h 47 min
